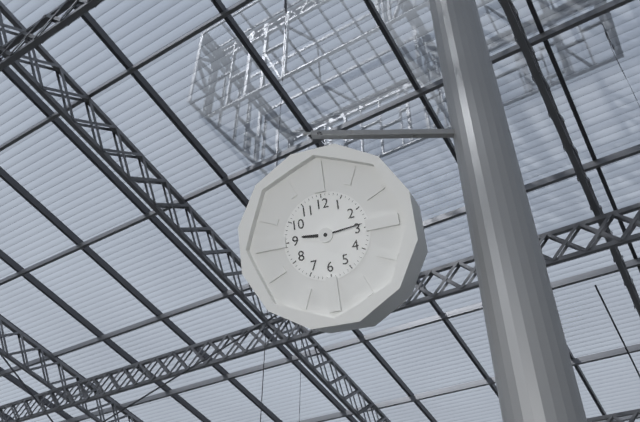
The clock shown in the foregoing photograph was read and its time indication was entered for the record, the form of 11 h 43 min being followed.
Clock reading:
9 h 14 min
